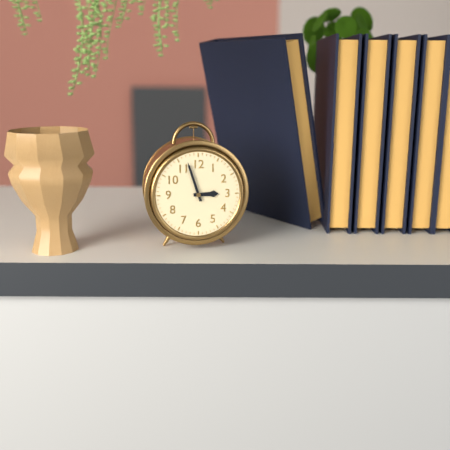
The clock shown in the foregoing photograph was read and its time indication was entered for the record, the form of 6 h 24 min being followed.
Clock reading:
2 h 57 min
